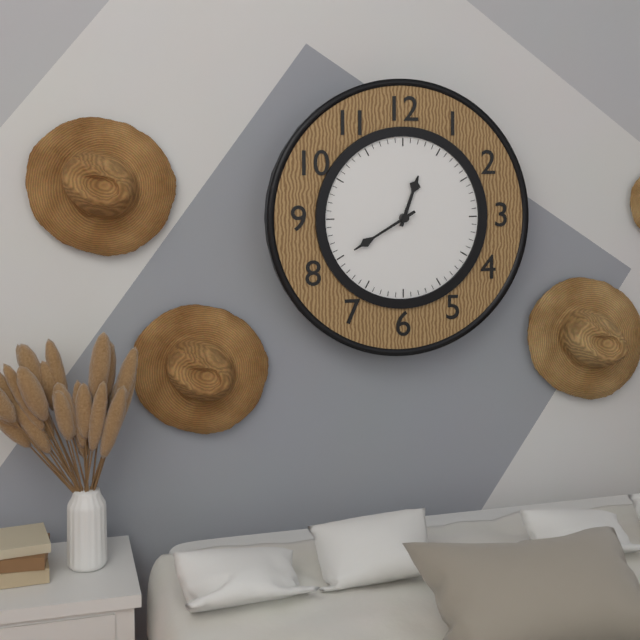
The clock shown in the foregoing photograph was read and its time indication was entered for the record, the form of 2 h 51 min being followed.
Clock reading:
12 h 40 min
